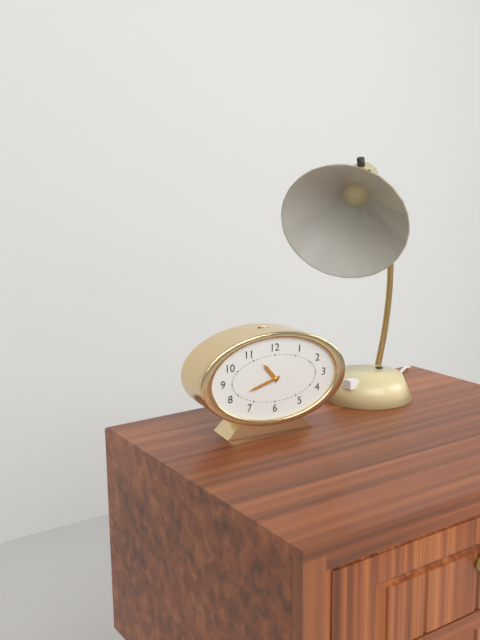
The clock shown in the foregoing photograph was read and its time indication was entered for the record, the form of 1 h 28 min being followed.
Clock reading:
10 h 42 min
